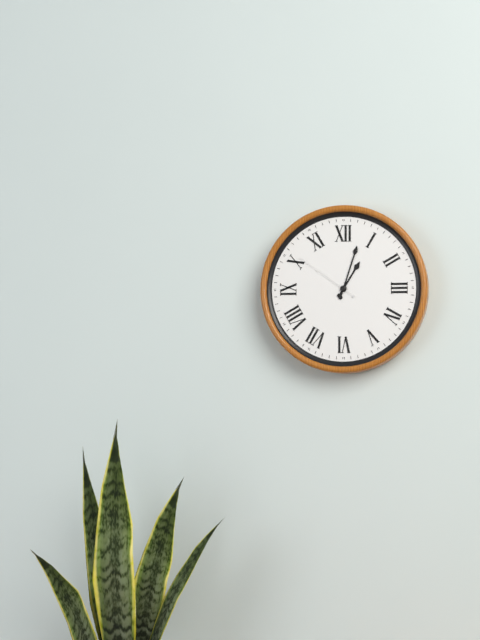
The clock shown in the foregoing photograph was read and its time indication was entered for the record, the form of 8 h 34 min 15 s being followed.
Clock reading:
1 h 03 min 51 s
